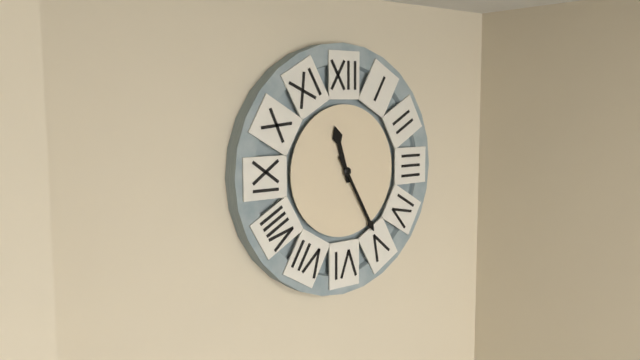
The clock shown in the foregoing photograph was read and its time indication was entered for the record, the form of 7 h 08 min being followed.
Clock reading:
11 h 25 min
